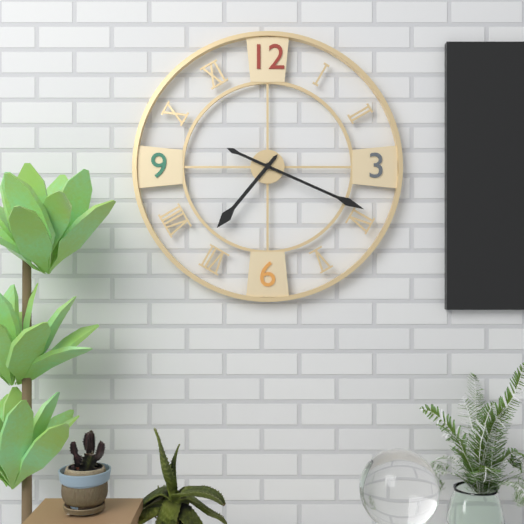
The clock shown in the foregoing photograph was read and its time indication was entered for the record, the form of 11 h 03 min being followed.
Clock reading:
7 h 19 min
